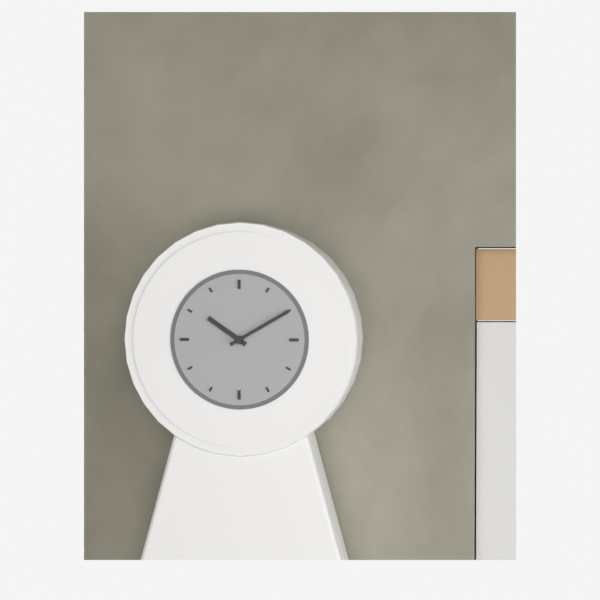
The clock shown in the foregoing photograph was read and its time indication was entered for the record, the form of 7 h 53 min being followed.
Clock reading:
10 h 10 min
